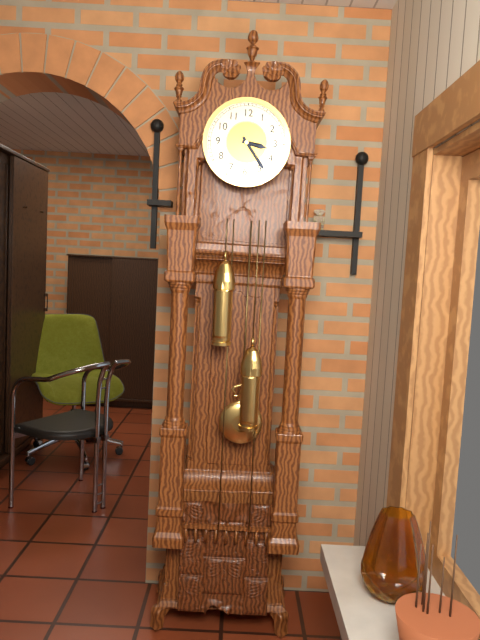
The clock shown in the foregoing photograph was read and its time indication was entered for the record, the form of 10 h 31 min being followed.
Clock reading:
3 h 24 min
